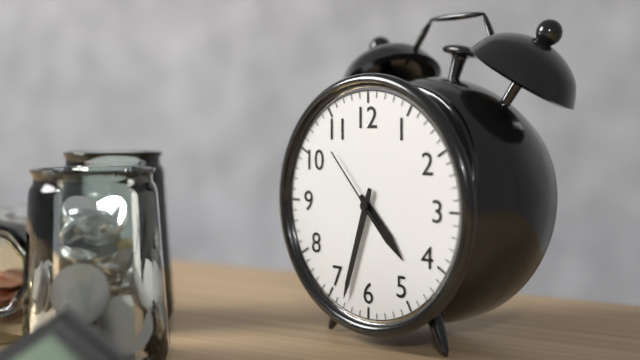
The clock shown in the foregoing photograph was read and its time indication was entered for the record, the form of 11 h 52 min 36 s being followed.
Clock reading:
4 h 33 min 53 s
